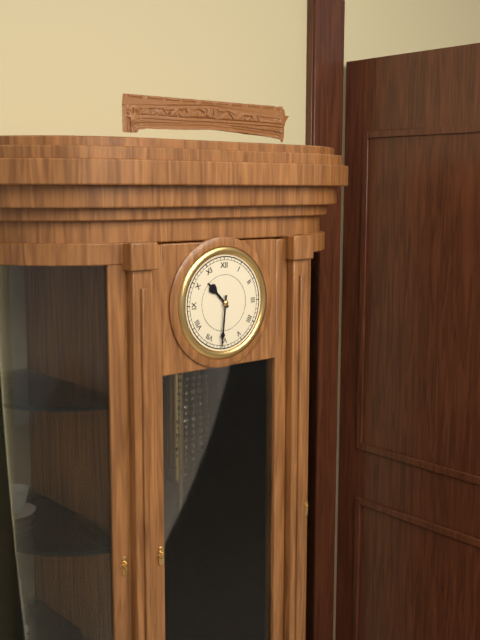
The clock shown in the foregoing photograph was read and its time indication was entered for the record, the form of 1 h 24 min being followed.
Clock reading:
10 h 31 min
